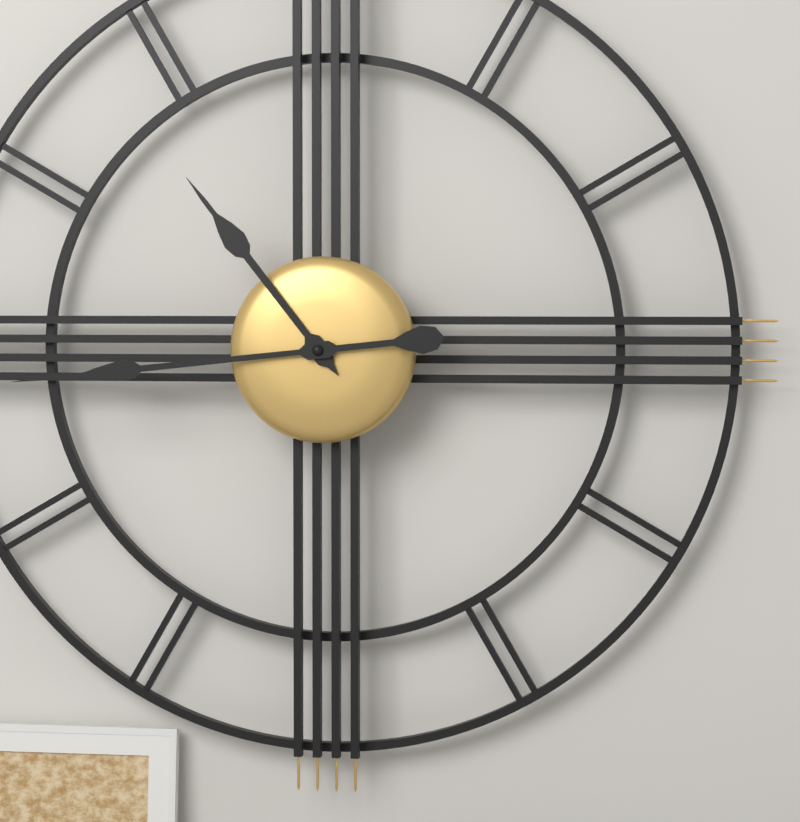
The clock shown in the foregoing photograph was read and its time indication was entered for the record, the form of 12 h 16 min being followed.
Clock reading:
10 h 44 min
